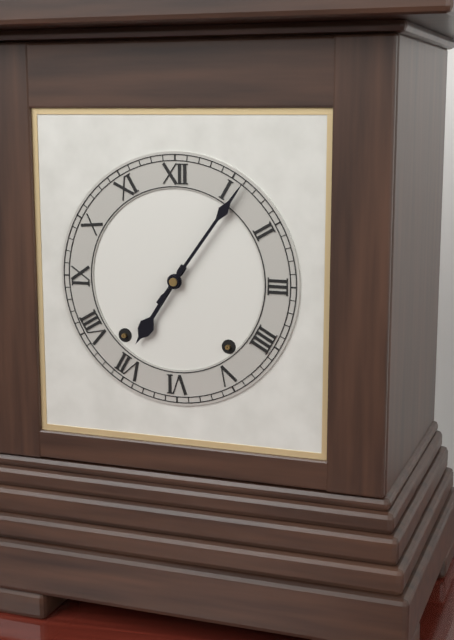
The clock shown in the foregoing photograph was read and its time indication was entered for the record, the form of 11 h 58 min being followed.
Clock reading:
7 h 06 min
